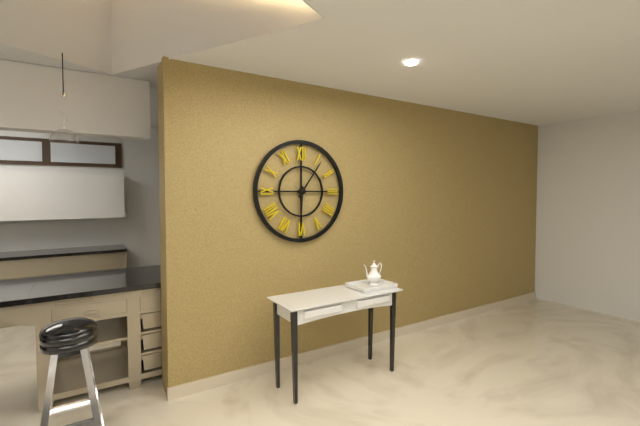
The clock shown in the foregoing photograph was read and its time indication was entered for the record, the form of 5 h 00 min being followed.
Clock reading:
6 h 06 min
